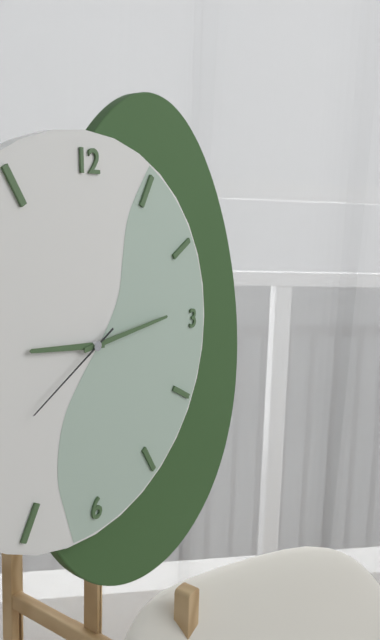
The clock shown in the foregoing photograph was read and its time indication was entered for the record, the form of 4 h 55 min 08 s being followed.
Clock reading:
9 h 14 min 40 s
